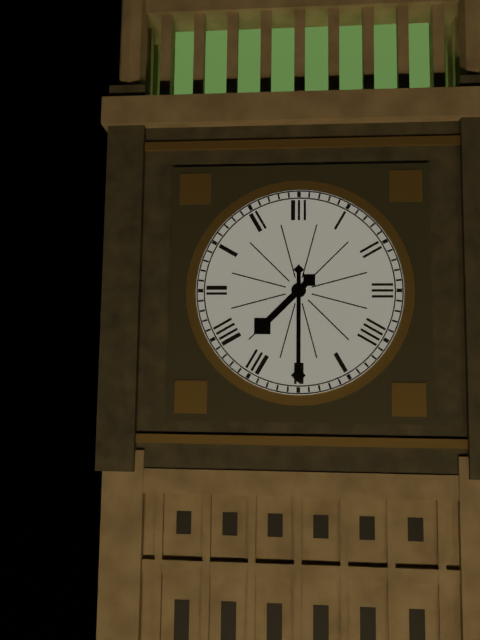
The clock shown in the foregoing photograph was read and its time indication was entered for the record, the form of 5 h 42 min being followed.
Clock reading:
7 h 30 min
